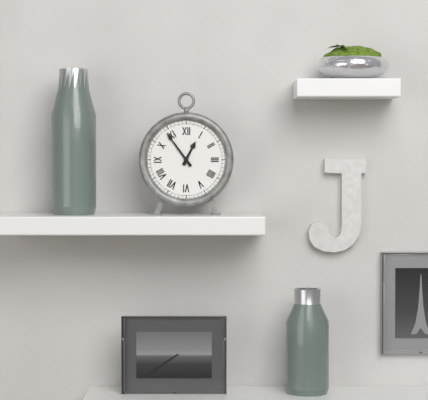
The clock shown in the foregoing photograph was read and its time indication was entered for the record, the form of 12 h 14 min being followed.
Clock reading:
12 h 54 min
